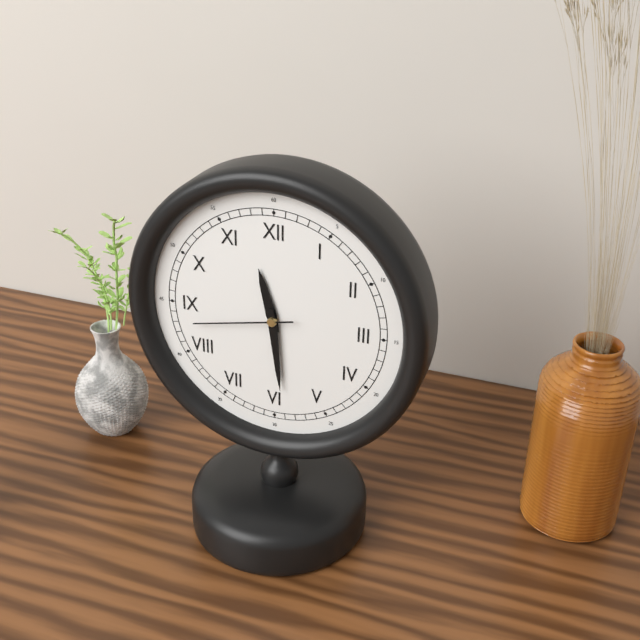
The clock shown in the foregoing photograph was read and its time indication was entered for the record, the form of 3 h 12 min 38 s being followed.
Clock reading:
11 h 29 min 43 s
